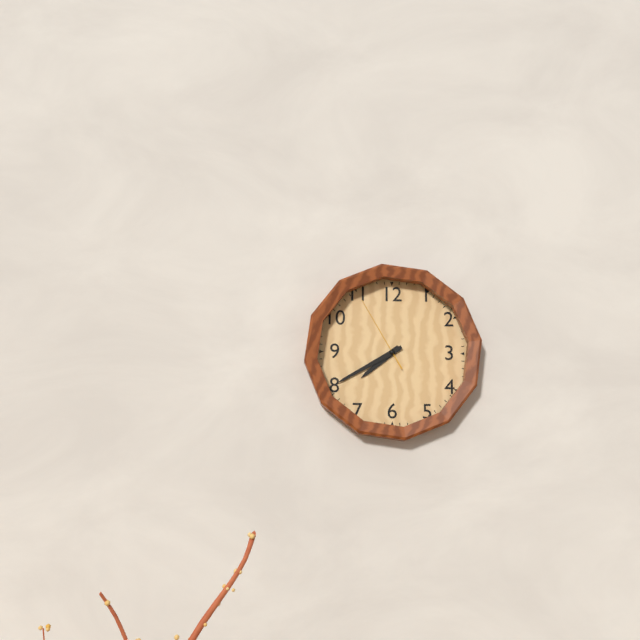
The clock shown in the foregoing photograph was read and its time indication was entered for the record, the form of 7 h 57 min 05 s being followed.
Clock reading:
7 h 40 min 55 s
